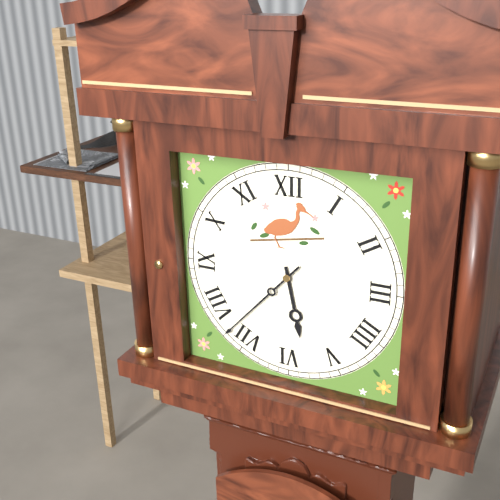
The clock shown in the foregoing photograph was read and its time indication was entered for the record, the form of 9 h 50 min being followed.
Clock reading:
5 h 37 min
